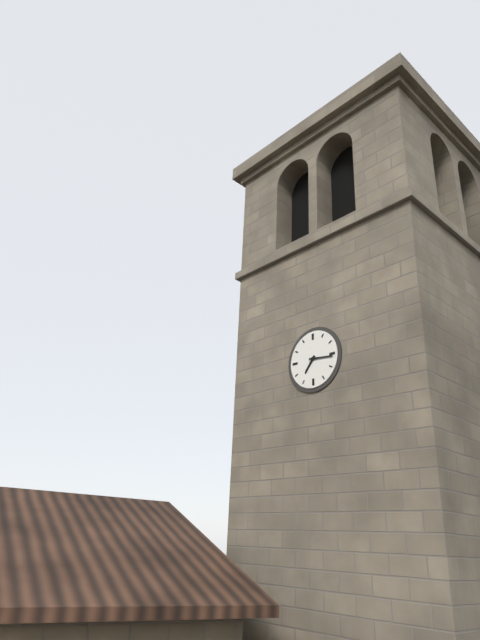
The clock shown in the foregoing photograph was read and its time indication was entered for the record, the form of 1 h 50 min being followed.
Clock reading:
7 h 16 min
